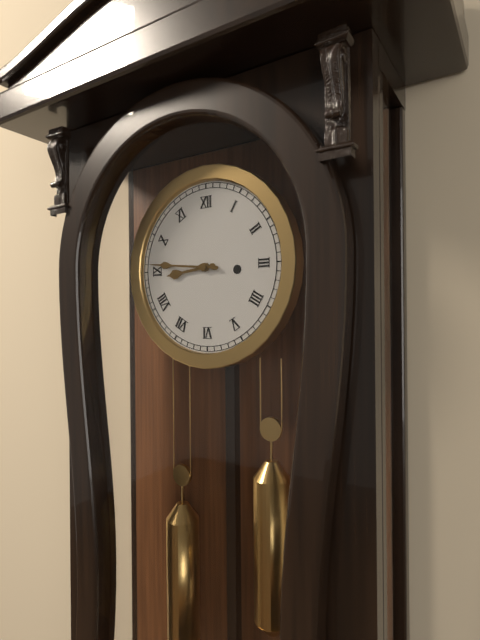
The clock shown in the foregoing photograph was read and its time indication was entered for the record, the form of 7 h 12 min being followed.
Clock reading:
8 h 46 min
